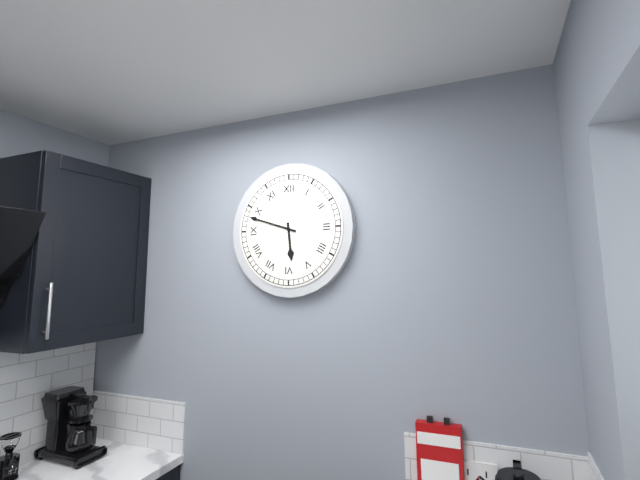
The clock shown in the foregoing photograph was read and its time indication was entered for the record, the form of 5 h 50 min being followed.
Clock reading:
5 h 48 min
